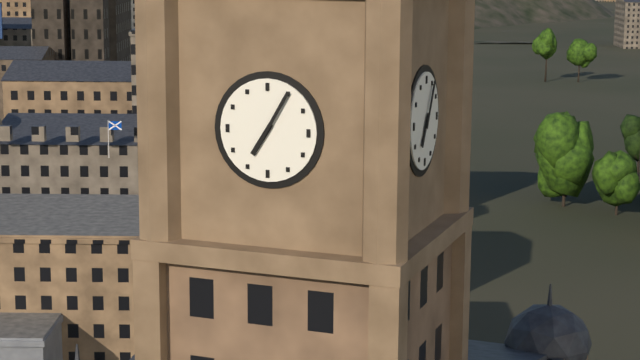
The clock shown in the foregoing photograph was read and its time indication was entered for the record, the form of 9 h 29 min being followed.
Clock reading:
7 h 05 min
